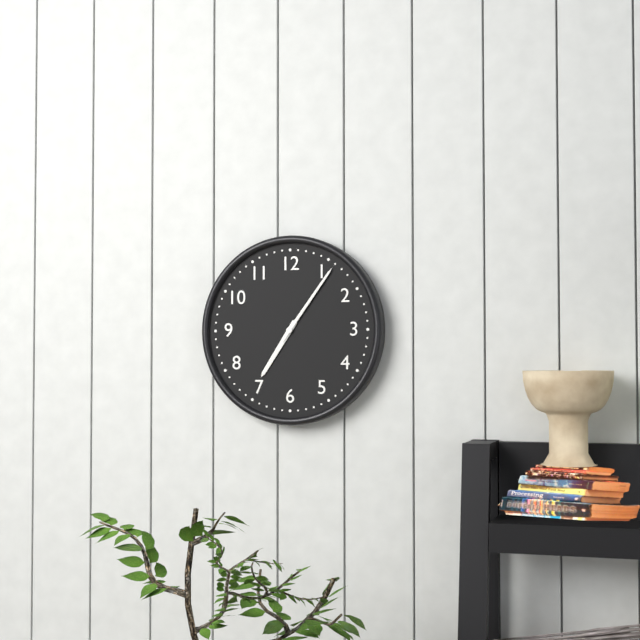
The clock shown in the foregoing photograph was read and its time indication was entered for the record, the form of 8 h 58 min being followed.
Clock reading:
7 h 06 min
